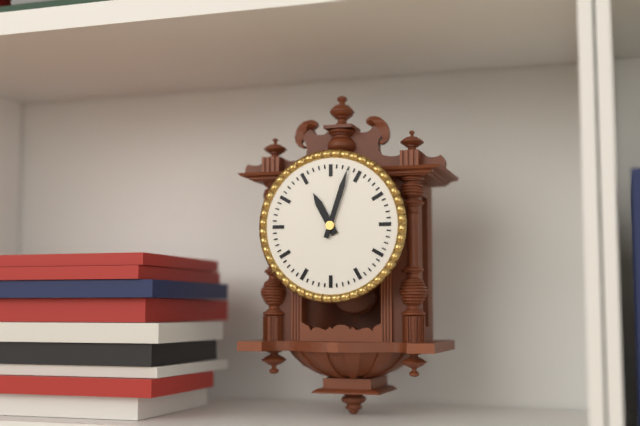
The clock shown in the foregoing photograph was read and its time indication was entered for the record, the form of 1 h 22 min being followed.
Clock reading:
11 h 03 min
